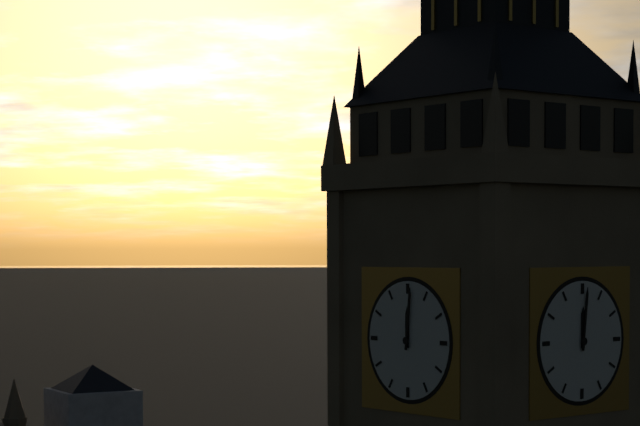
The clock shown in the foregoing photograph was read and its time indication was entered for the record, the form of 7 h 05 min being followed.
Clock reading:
12 h 01 min
